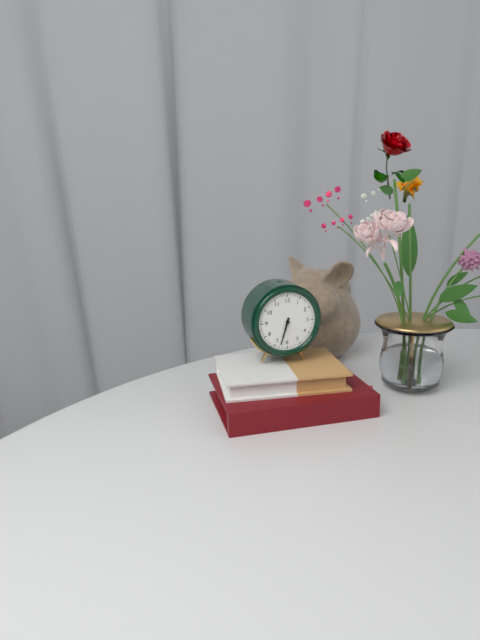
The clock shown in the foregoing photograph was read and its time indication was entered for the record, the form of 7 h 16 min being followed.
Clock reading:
6 h 33 min
